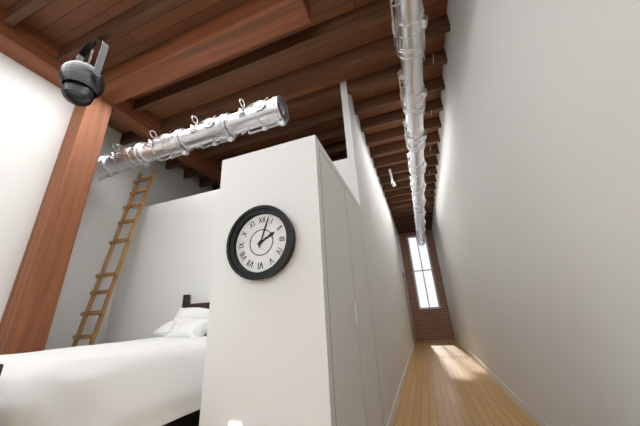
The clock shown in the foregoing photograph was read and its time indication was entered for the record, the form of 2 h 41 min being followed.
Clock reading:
2 h 03 min
